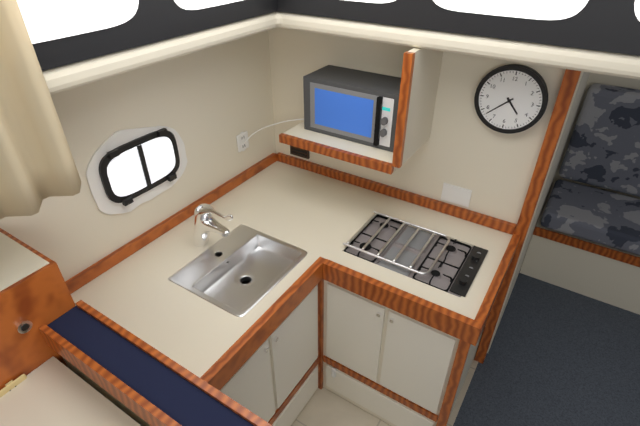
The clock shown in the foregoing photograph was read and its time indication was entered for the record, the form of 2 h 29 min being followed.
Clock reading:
4 h 38 min
